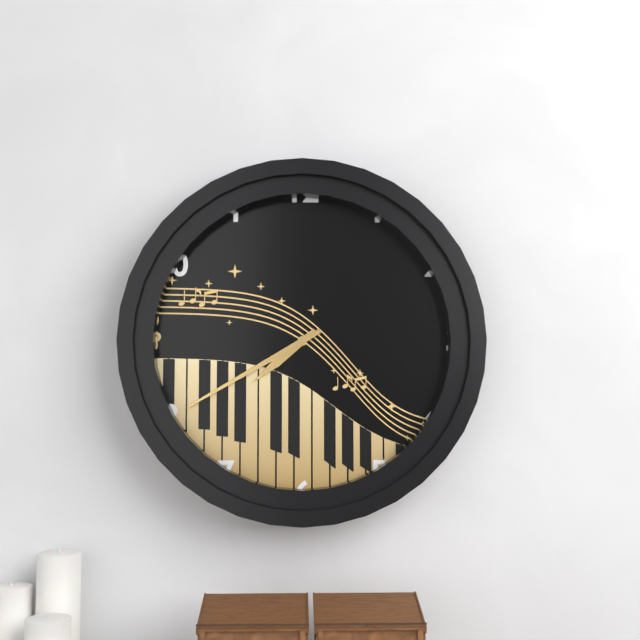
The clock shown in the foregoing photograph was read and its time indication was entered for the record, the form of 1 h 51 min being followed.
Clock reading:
7 h 40 min
